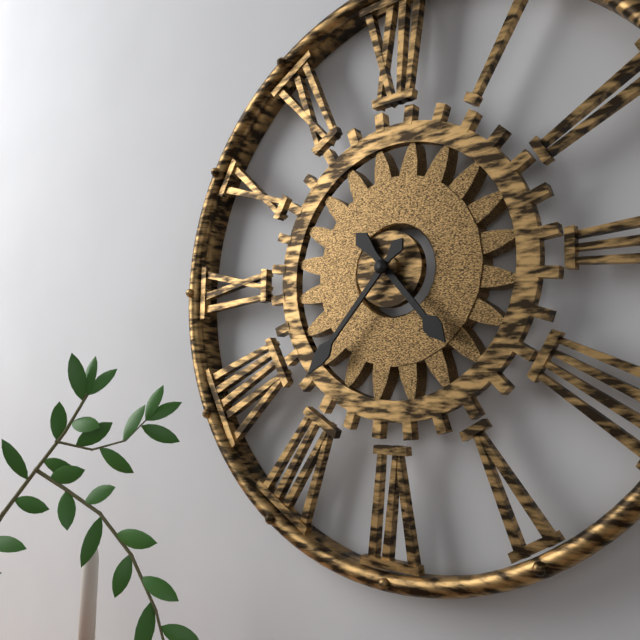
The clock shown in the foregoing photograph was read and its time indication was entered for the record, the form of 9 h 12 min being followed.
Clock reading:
4 h 37 min
